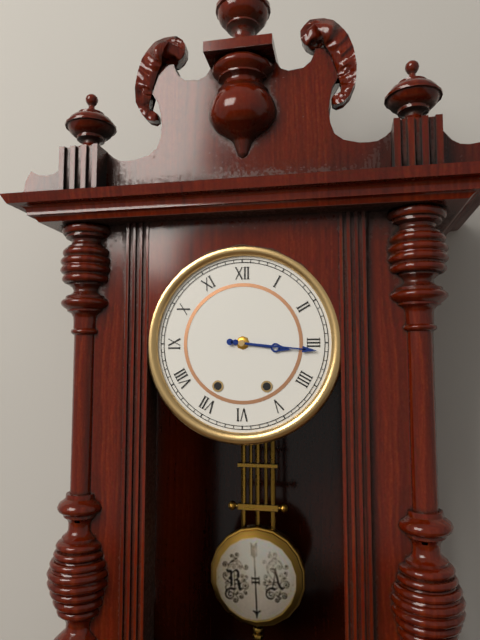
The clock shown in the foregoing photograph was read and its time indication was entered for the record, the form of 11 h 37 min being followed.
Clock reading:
3 h 16 min
